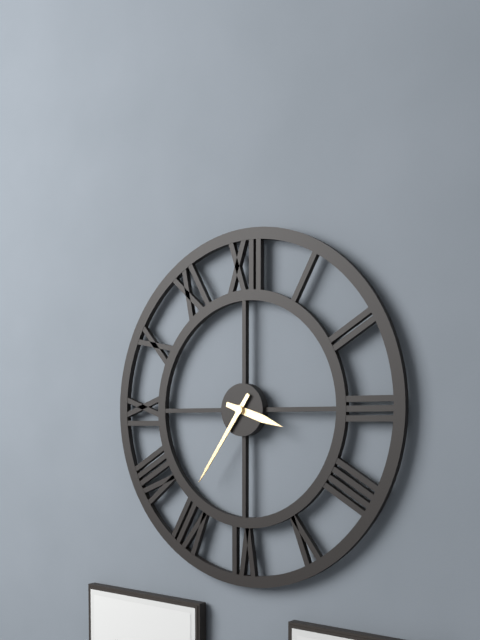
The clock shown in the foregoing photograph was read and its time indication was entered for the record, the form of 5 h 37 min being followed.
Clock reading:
3 h 36 min
